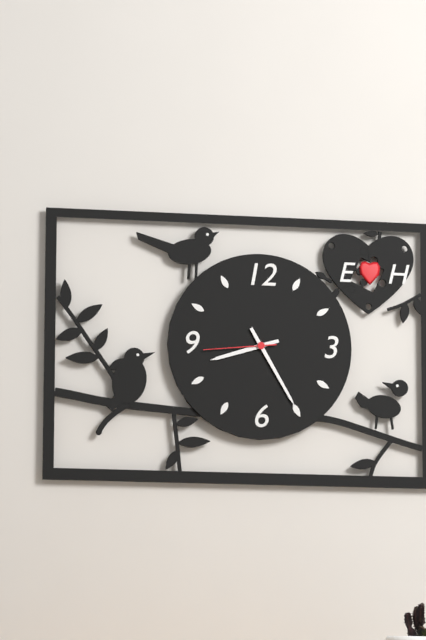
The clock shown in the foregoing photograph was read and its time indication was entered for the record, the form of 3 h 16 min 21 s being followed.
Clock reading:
8 h 25 min 44 s
